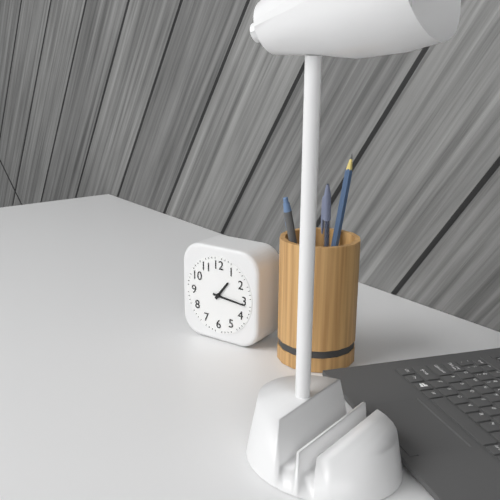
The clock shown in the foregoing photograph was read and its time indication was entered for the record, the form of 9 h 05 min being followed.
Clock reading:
1 h 16 min
